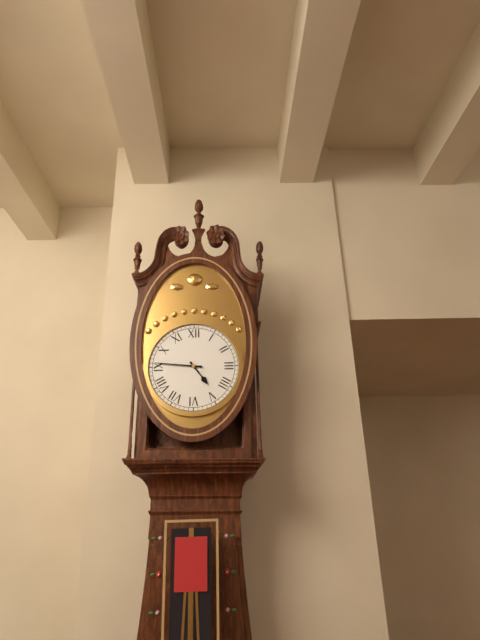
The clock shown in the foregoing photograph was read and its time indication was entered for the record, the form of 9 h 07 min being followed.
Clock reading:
4 h 46 min
